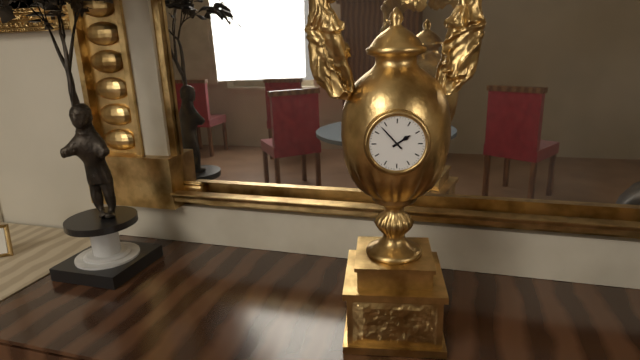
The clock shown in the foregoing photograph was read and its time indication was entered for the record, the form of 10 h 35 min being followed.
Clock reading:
1 h 53 min
